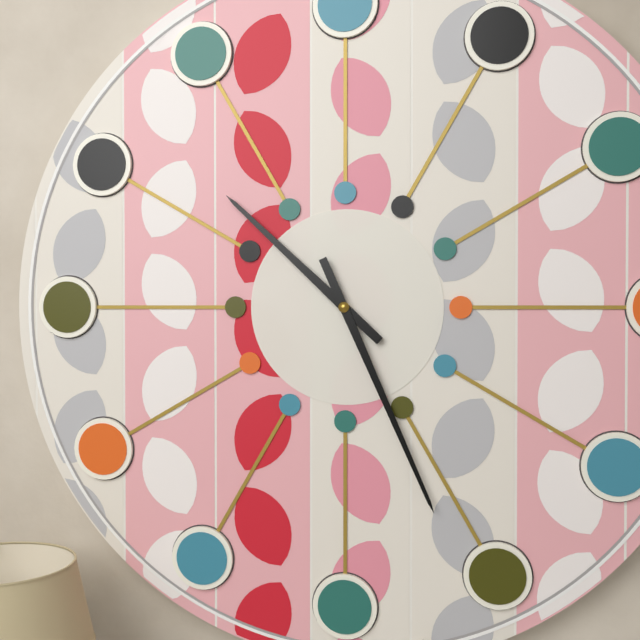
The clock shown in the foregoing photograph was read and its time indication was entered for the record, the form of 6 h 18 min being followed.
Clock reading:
10 h 26 min
